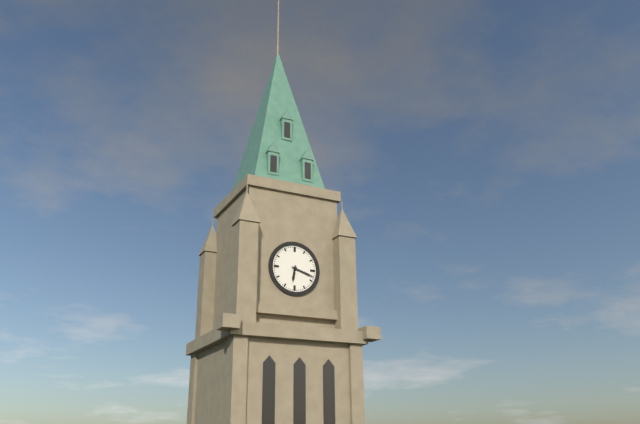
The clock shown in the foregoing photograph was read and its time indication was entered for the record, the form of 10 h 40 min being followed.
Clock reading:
6 h 18 min
